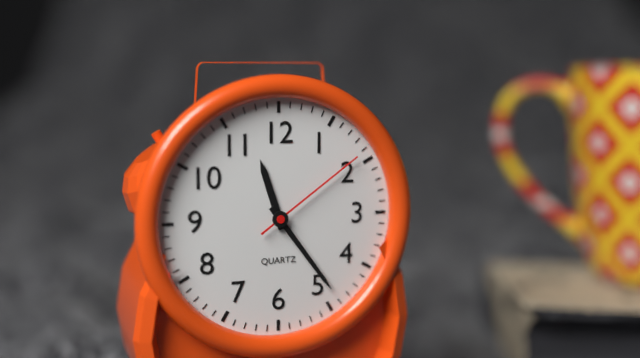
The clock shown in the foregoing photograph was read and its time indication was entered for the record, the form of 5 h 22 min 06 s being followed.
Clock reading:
11 h 24 min 09 s
